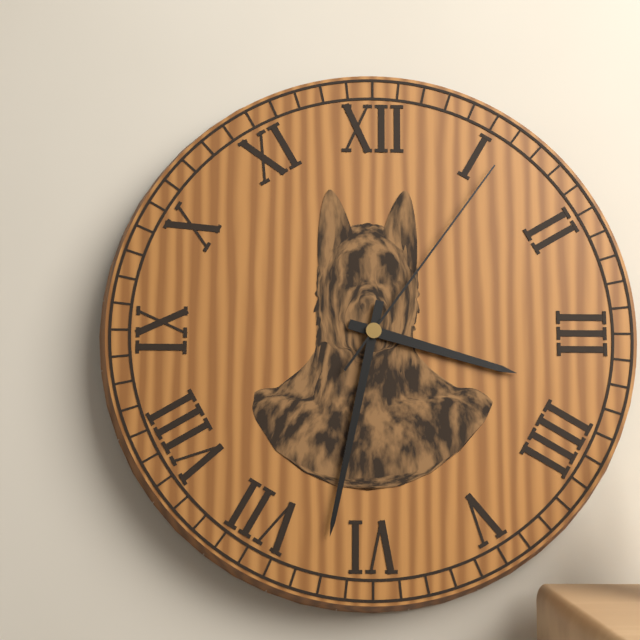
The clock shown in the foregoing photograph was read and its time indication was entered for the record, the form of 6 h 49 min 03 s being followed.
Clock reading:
3 h 32 min 06 s
